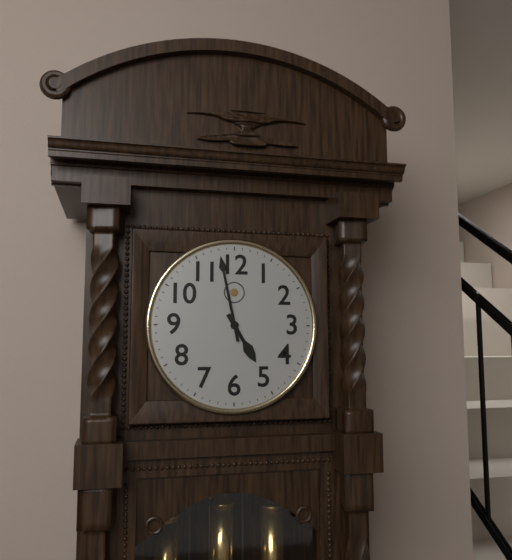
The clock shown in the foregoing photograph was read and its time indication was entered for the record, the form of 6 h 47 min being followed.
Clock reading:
4 h 58 min
